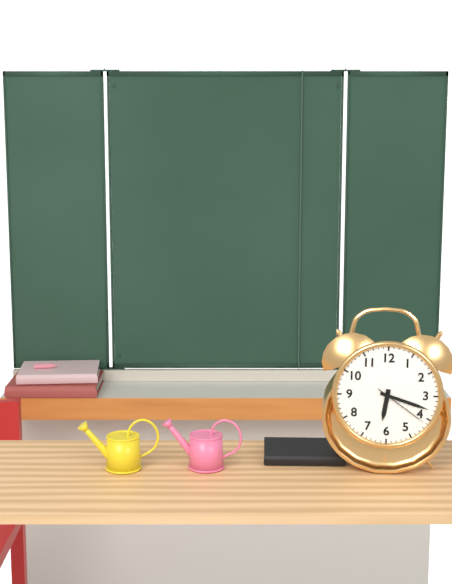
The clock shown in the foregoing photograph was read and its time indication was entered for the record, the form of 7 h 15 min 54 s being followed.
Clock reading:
6 h 18 min 21 s
